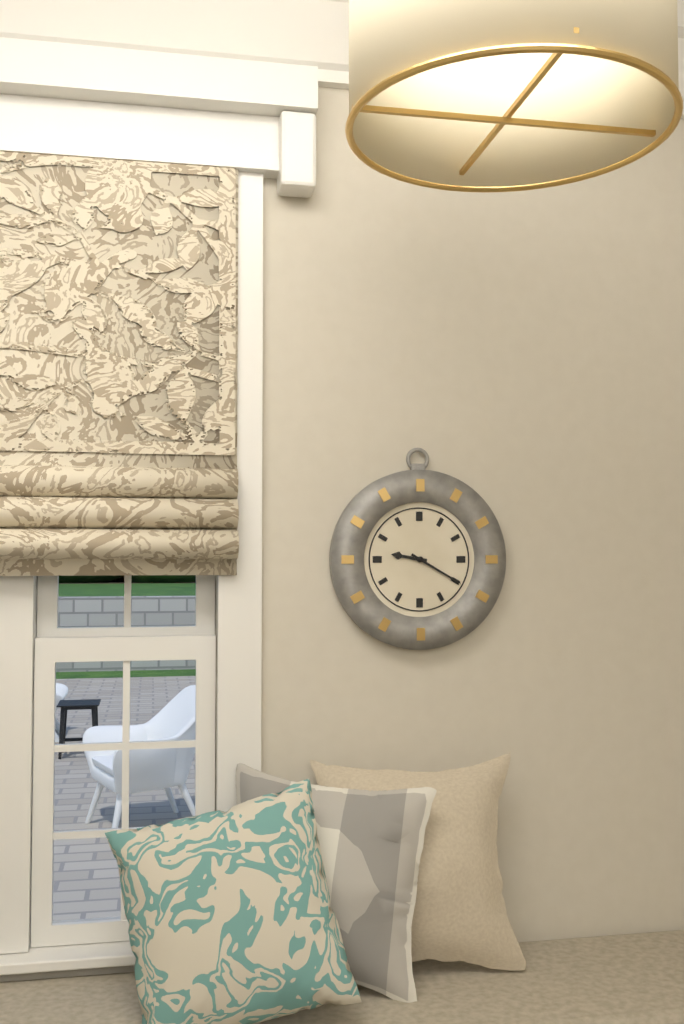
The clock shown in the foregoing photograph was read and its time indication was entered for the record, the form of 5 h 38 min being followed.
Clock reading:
9 h 20 min
